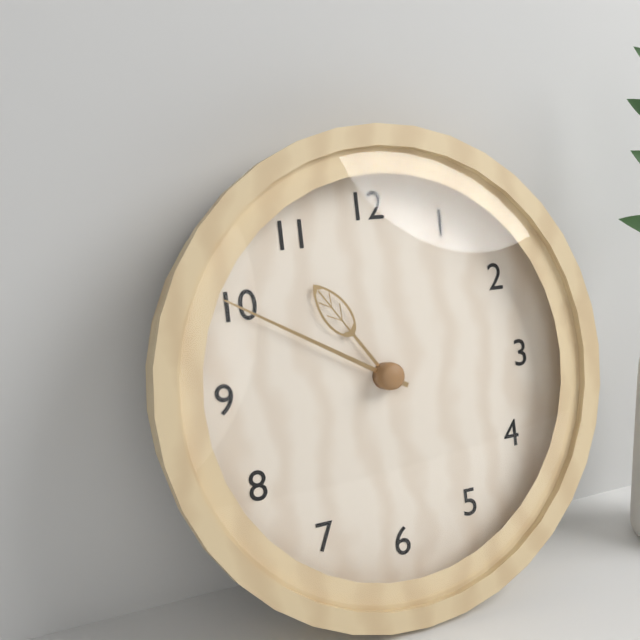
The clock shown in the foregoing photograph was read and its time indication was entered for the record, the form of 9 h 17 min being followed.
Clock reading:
10 h 50 min
